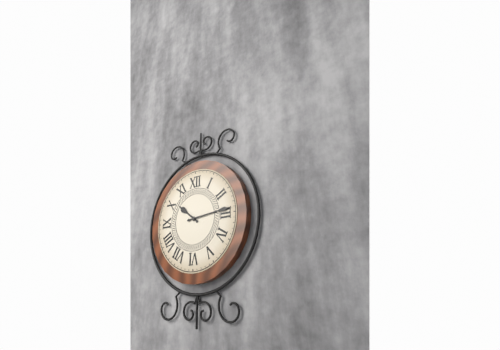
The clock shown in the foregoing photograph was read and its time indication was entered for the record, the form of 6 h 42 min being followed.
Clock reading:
10 h 14 min
